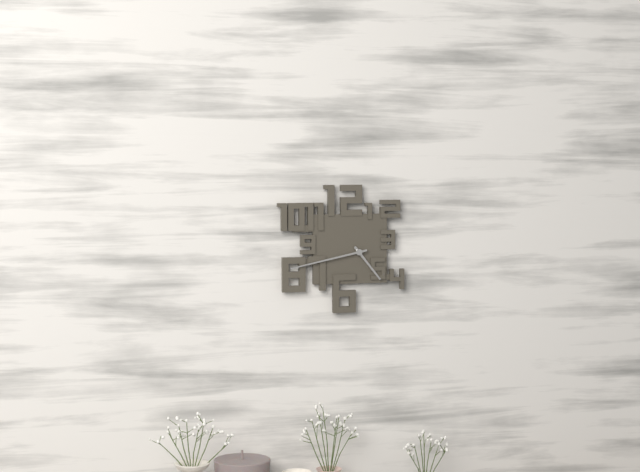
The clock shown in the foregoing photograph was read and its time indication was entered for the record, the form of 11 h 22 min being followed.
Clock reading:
4 h 43 min
